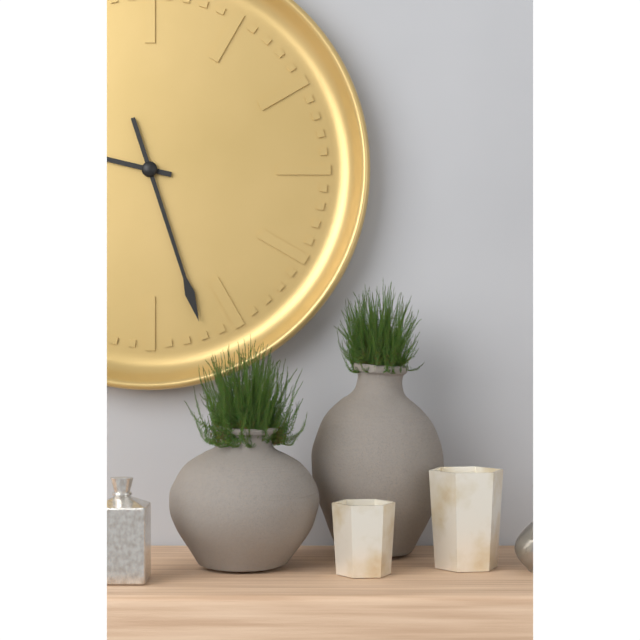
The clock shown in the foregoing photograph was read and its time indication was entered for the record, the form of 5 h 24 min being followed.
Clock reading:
9 h 27 min
